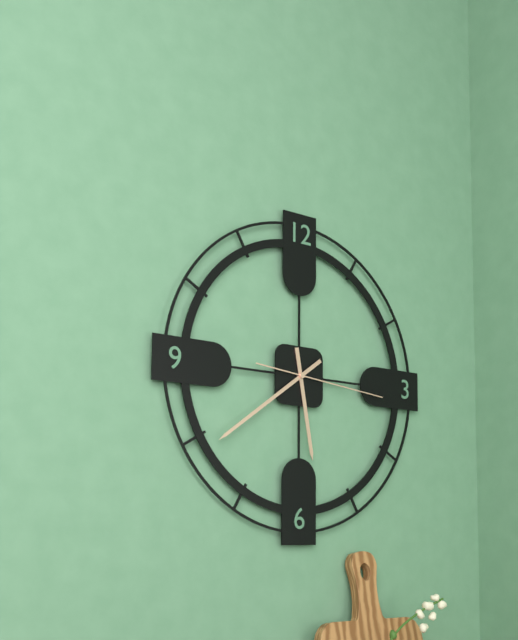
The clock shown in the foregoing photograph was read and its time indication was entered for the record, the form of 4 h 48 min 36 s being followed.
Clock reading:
5 h 39 min 16 s
